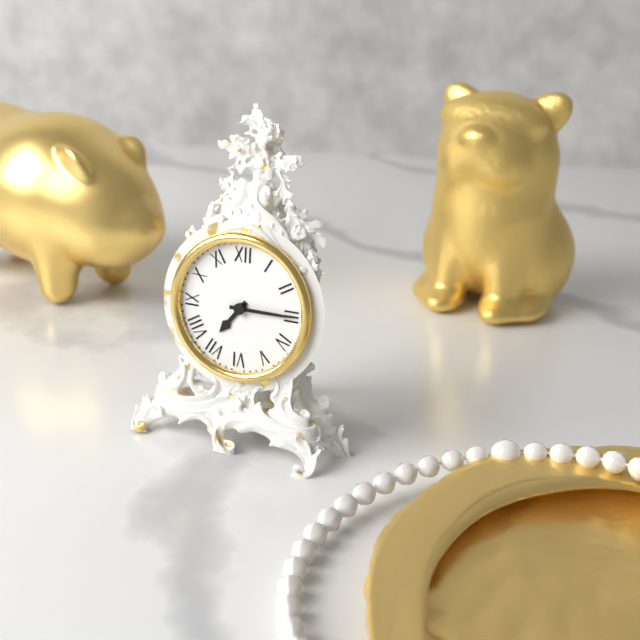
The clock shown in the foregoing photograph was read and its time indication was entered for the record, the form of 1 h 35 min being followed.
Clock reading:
7 h 15 min
